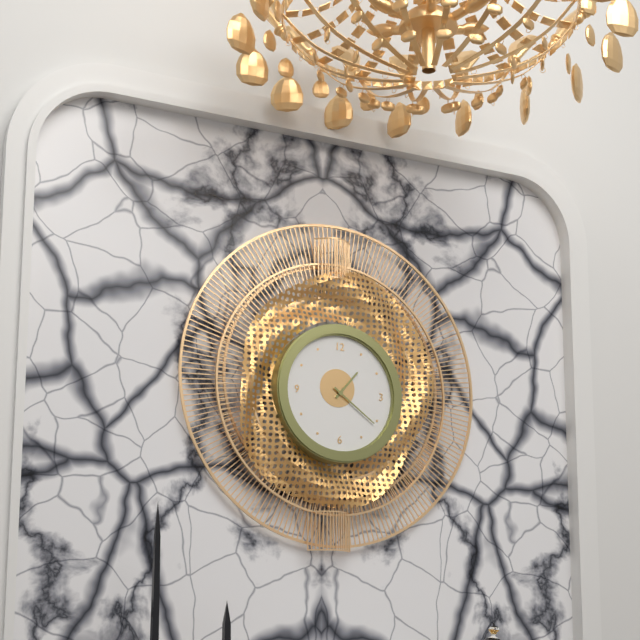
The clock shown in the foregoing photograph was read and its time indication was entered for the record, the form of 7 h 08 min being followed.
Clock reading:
1 h 21 min
